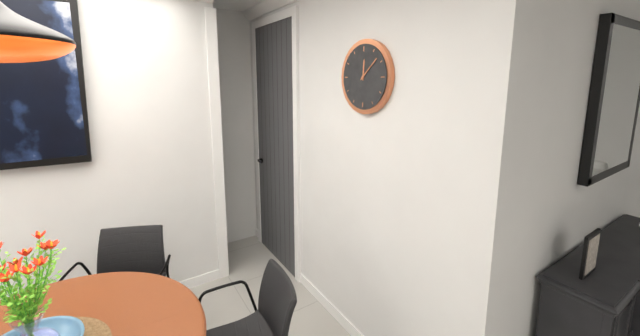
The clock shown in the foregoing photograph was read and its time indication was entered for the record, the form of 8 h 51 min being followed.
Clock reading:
12 h 08 min
